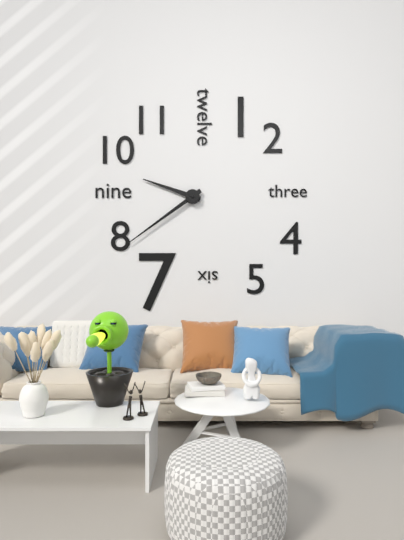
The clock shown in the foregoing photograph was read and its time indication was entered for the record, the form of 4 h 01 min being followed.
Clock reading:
9 h 39 min
